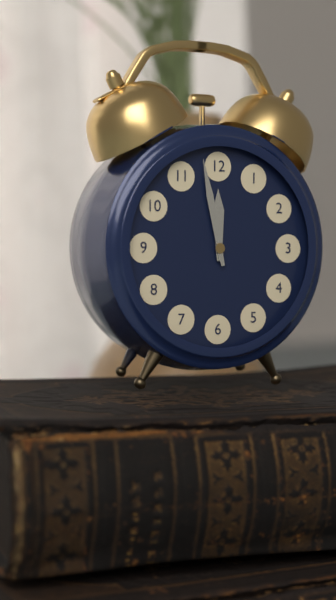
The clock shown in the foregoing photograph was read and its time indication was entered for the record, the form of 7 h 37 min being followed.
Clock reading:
11 h 58 min
